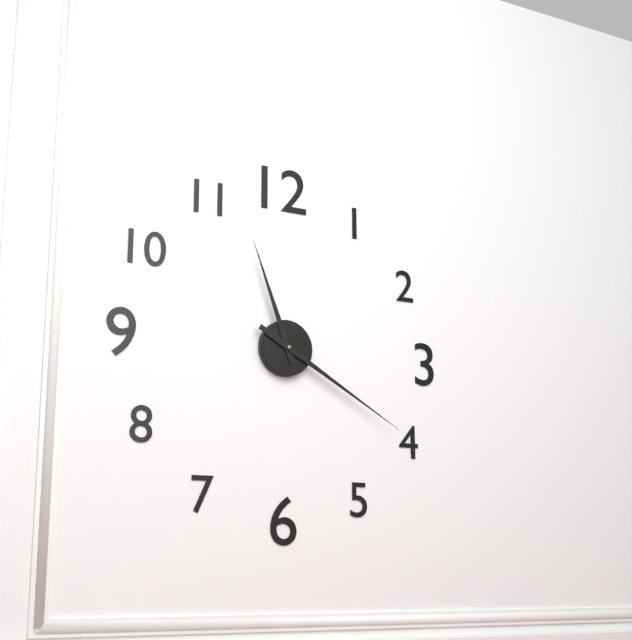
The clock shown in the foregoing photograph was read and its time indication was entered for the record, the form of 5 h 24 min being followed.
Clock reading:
11 h 20 min
